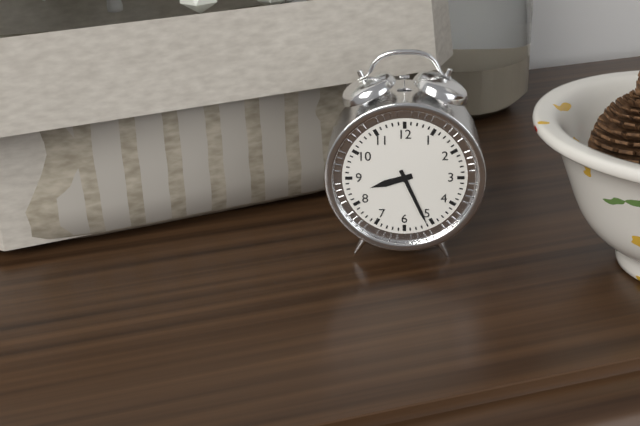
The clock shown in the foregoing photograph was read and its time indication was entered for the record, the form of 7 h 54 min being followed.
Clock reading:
8 h 26 min
